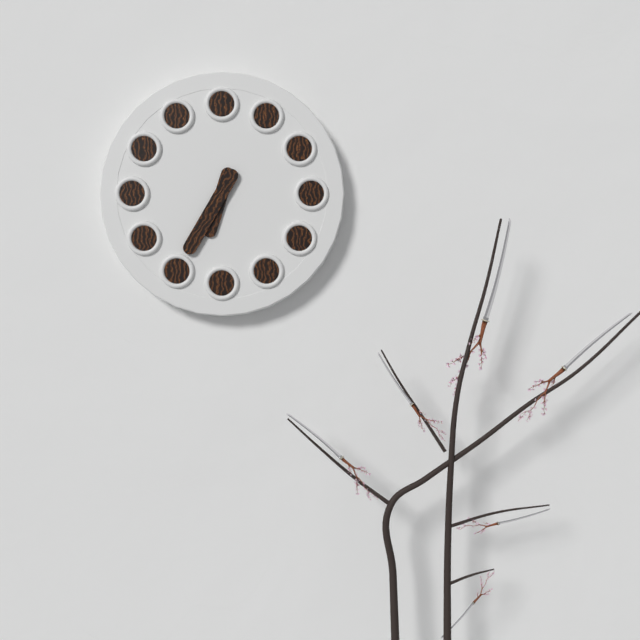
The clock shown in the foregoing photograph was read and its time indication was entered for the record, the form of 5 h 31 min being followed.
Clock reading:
6 h 35 min
